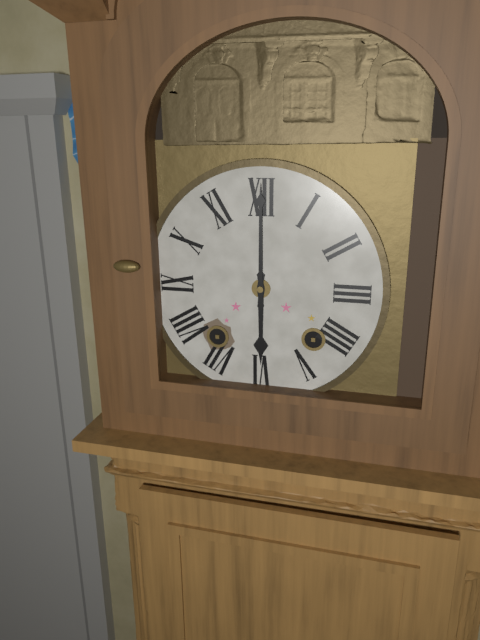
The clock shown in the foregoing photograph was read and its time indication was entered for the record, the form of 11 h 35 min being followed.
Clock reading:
6 h 00 min
